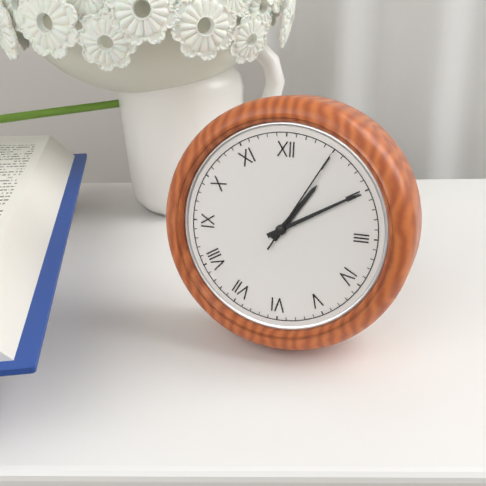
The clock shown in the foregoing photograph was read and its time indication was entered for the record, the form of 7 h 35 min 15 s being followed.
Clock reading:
1 h 10 min 05 s
